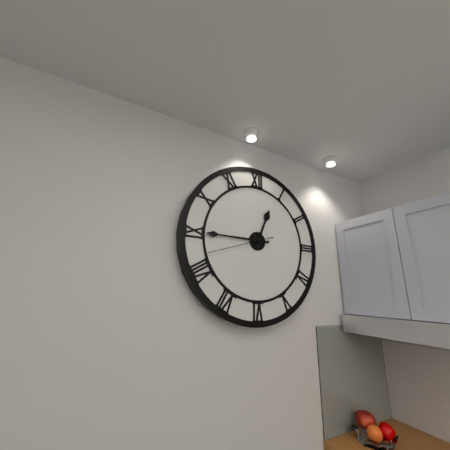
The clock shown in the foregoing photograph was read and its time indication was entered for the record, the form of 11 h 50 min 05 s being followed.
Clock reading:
12 h 45 min 42 s
